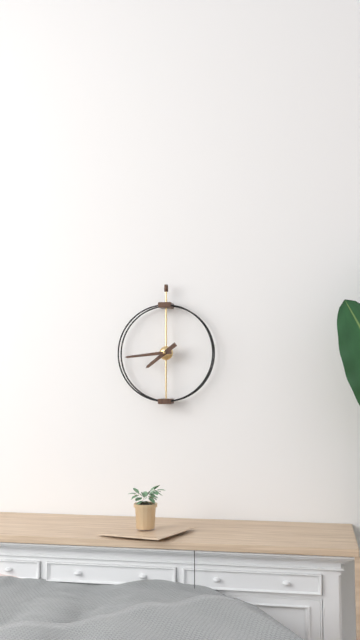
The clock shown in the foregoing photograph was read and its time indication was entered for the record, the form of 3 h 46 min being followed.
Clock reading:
7 h 44 min
